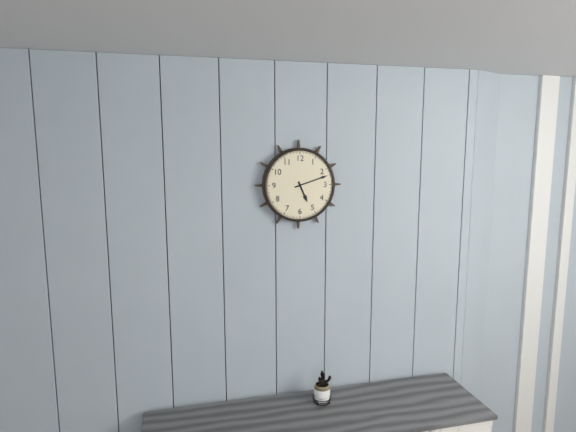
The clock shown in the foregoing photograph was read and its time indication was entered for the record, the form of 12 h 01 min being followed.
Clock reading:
5 h 12 min
